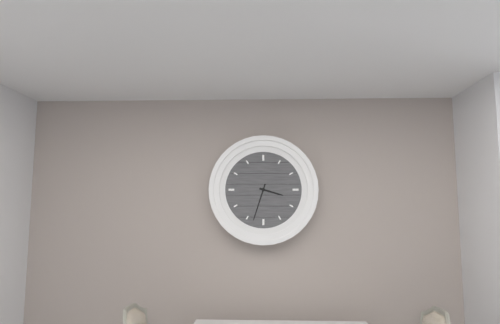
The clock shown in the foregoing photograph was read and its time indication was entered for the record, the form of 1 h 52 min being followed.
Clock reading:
3 h 33 min
